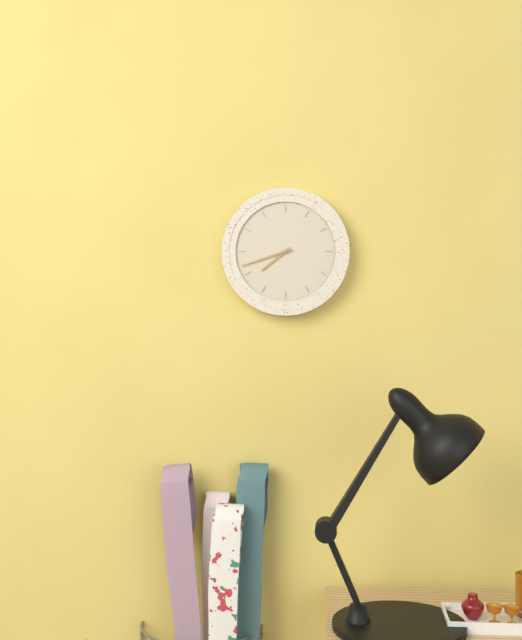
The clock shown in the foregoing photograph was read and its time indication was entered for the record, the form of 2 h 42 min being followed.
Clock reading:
7 h 42 min
